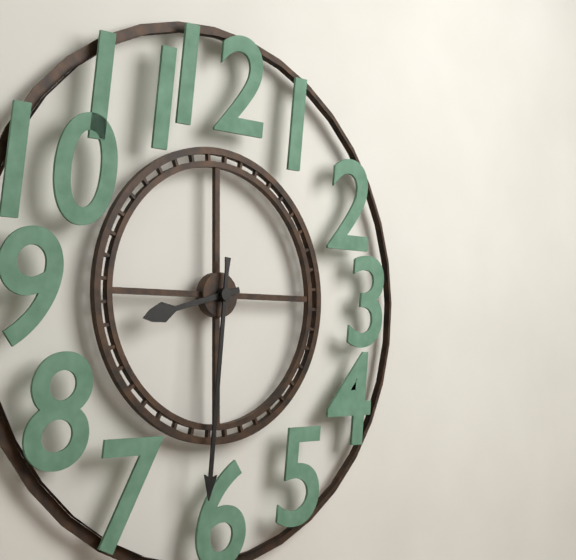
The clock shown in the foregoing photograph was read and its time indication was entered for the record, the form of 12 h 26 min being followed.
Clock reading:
8 h 31 min
